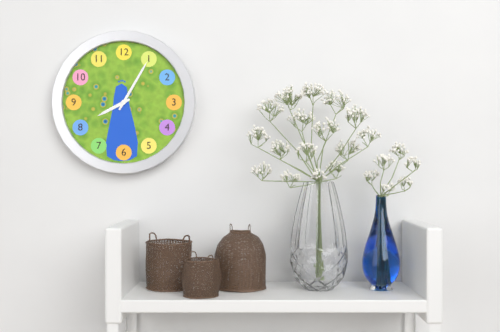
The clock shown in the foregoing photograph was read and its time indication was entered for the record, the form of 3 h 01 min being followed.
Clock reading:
8 h 05 min
